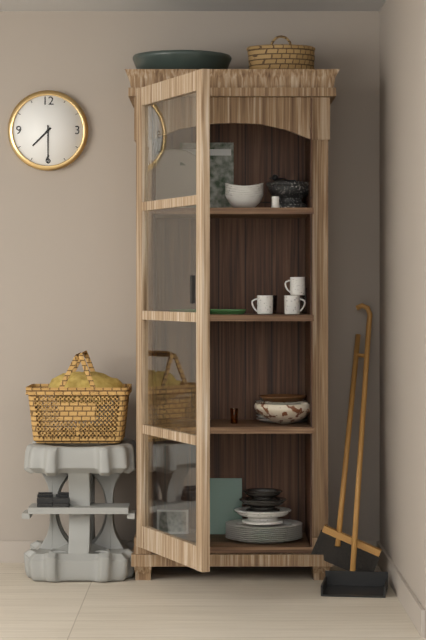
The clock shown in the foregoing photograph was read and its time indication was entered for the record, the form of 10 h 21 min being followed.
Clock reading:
7 h 30 min
